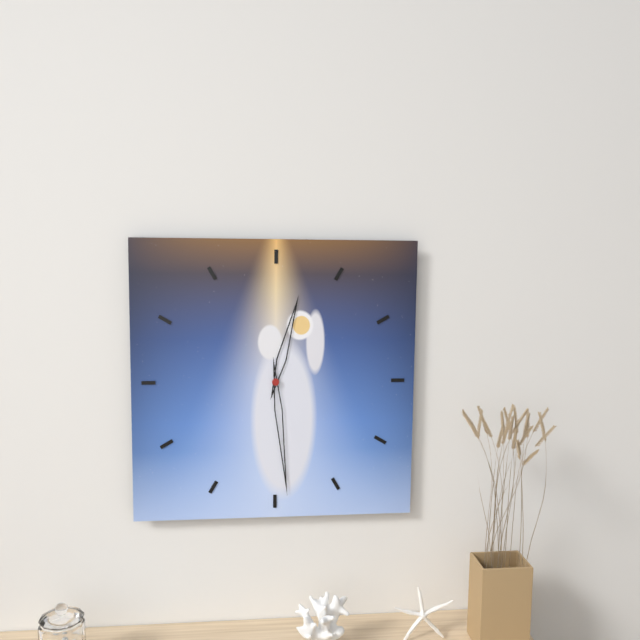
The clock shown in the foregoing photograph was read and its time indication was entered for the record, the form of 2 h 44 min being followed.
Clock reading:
12 h 29 min
